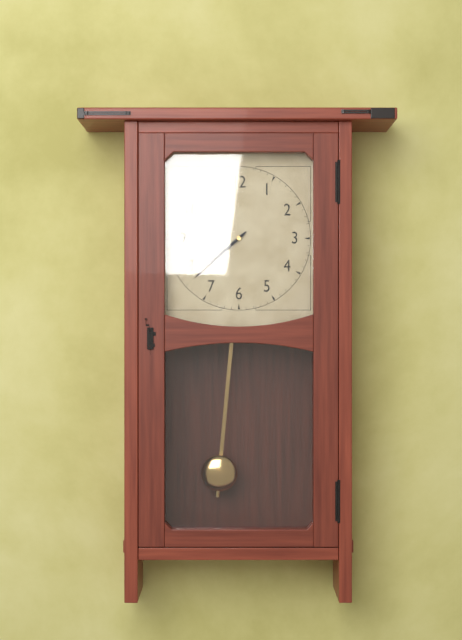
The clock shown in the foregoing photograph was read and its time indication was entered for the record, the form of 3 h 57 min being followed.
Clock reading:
7 h 38 min
